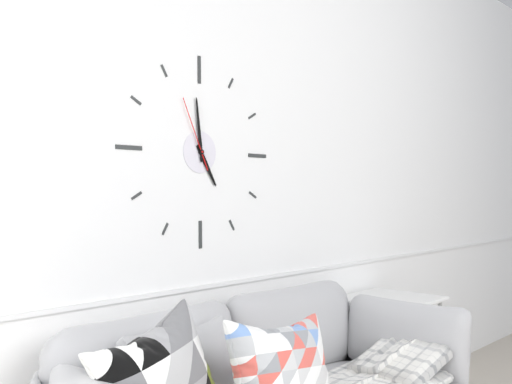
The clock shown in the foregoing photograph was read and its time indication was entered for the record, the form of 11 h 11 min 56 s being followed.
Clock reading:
4 h 59 min 56 s
